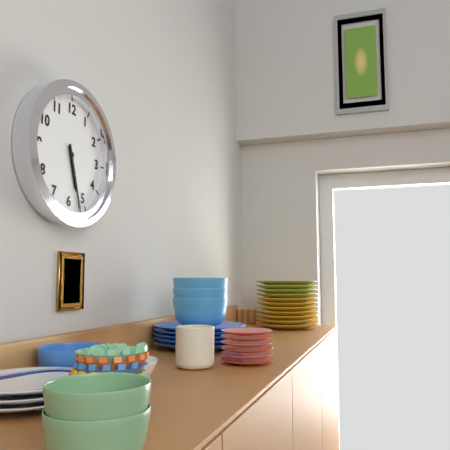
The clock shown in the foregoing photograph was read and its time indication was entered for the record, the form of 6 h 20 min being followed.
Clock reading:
5 h 27 min
